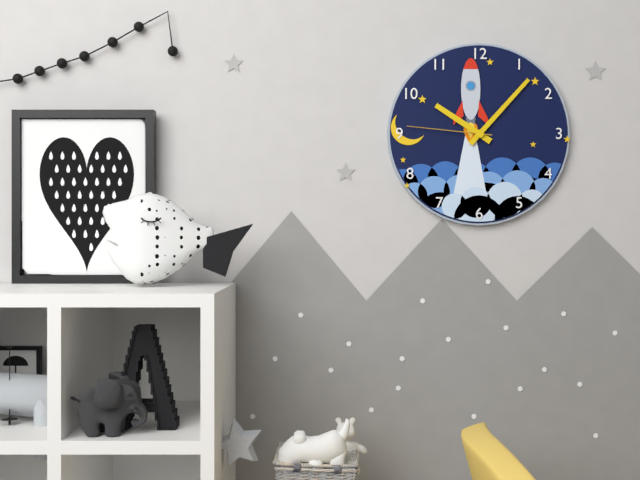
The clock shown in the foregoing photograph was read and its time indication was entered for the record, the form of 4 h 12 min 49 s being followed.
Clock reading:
10 h 07 min 46 s
